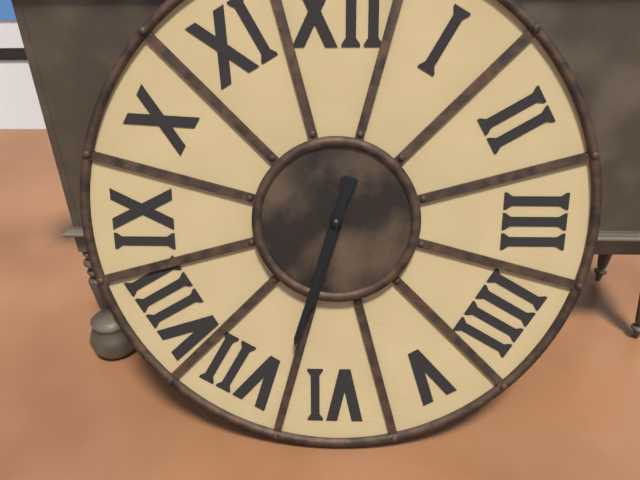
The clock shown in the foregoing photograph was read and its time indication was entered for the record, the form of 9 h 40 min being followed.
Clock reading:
6 h 33 min
